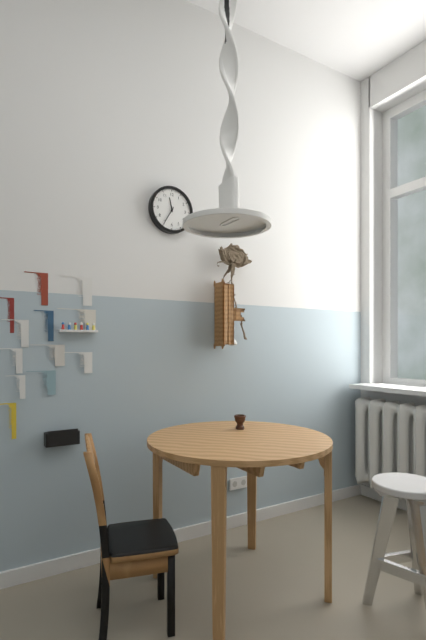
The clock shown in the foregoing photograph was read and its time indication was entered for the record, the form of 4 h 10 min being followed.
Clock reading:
11 h 35 min
